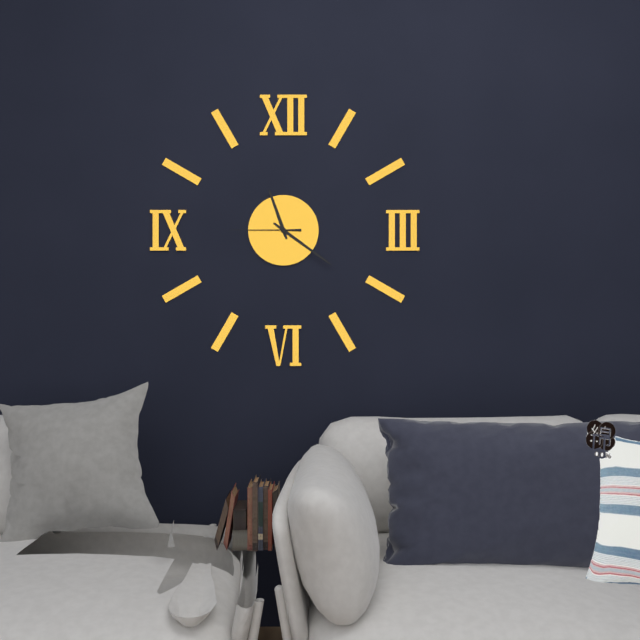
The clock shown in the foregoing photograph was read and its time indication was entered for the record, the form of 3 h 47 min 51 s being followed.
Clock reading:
11 h 21 min 45 s
